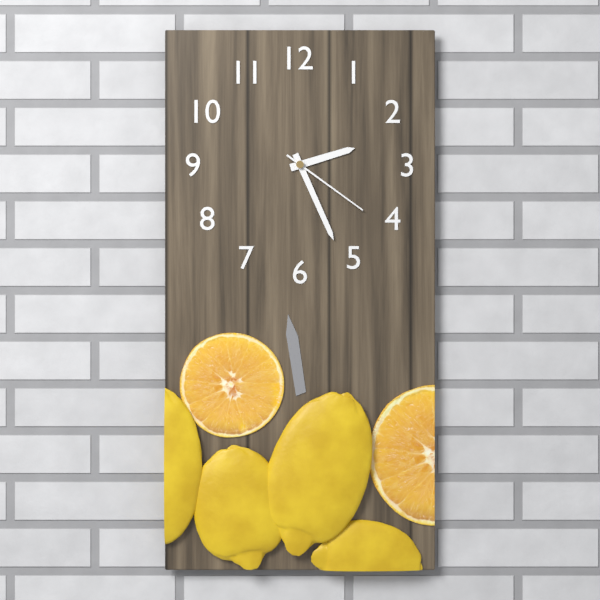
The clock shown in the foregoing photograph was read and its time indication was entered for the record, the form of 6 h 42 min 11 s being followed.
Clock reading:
2 h 26 min 21 s
